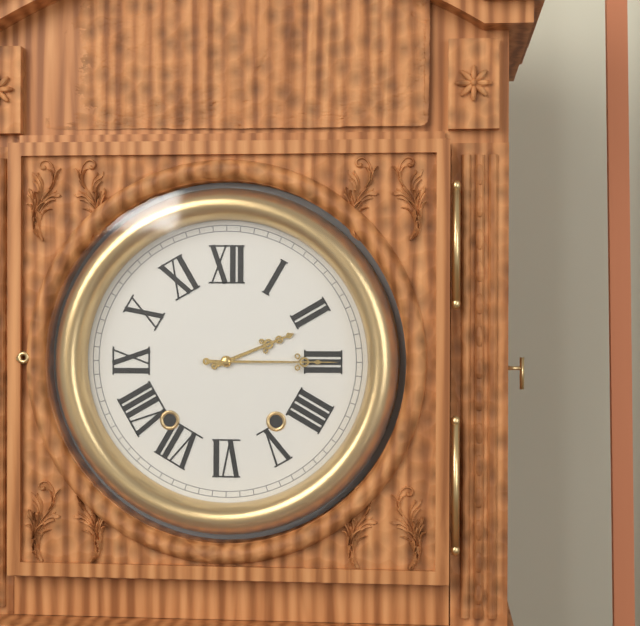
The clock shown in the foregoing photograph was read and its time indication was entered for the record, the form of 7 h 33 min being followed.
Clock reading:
2 h 15 min
